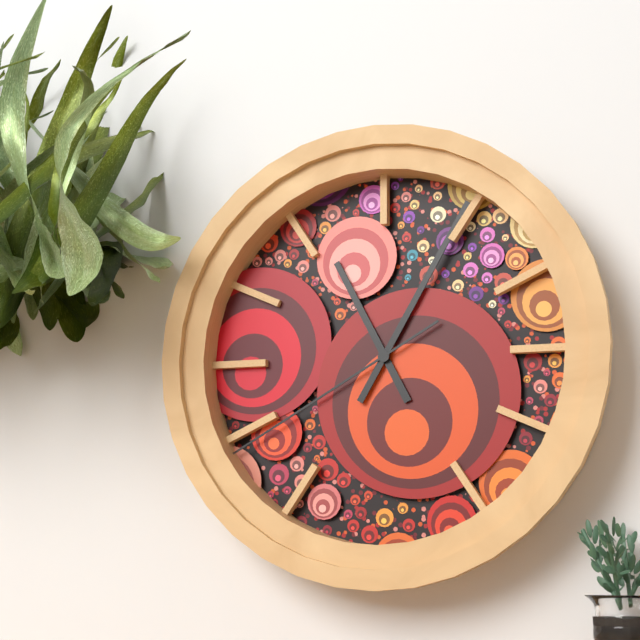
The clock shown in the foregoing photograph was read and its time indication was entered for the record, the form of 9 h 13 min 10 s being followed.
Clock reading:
11 h 05 min 40 s
